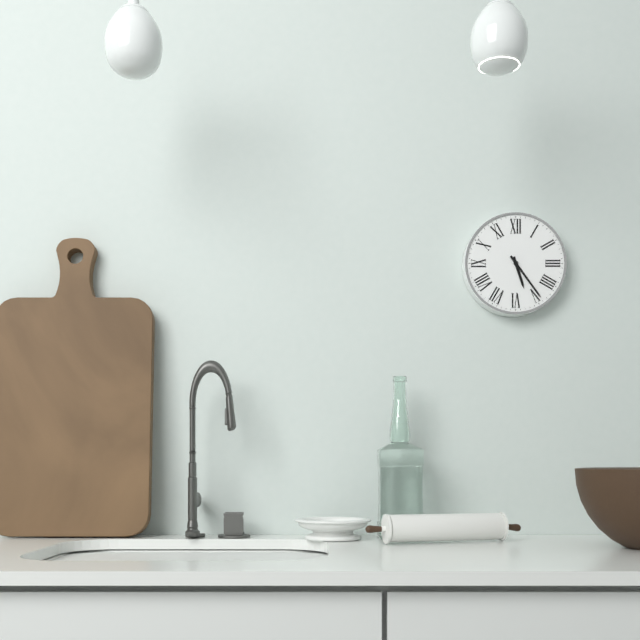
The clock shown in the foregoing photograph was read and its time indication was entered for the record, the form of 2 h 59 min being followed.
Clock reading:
5 h 24 min
